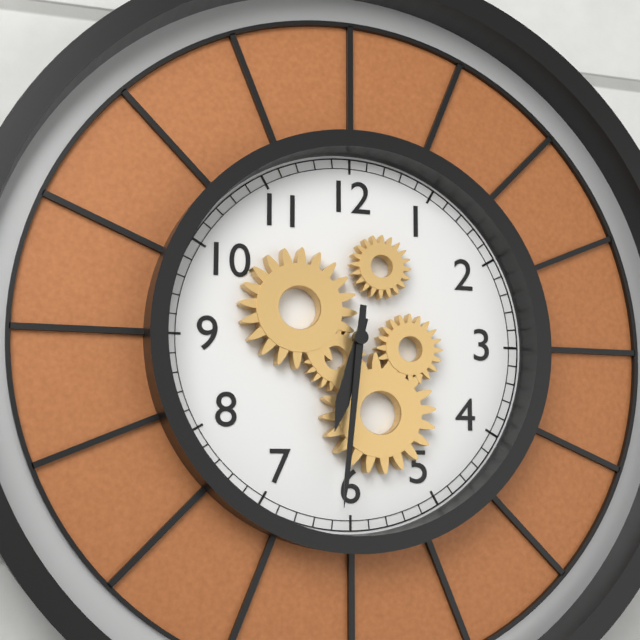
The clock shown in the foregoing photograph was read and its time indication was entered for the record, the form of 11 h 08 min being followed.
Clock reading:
6 h 31 min
